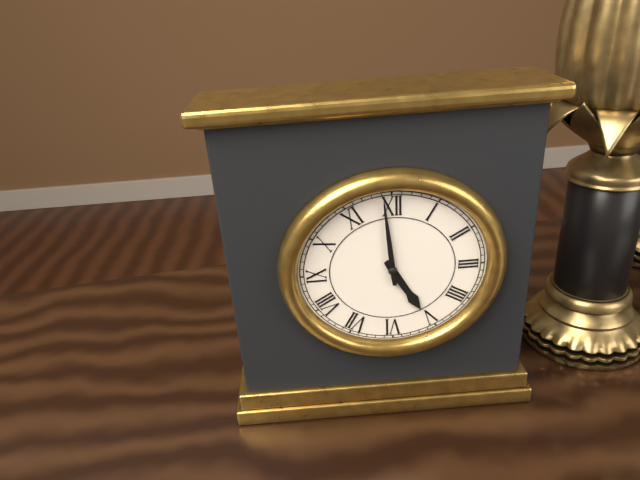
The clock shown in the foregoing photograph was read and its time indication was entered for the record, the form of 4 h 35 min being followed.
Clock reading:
4 h 59 min
